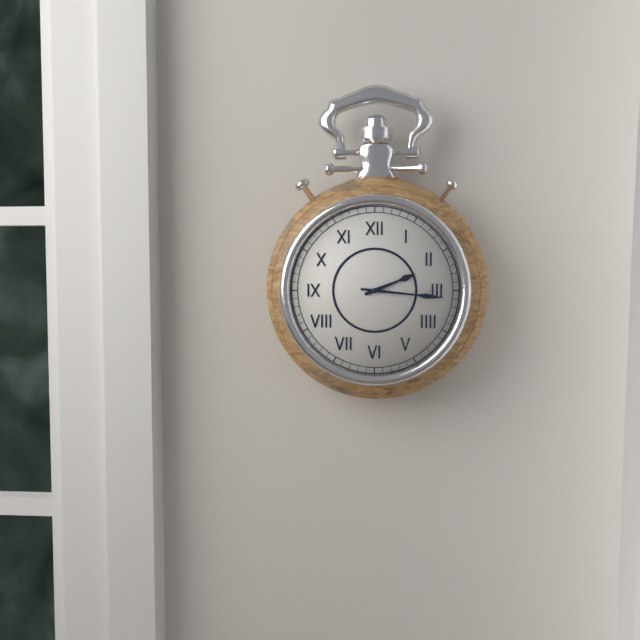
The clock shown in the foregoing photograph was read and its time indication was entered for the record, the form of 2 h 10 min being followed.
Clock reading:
2 h 16 min
